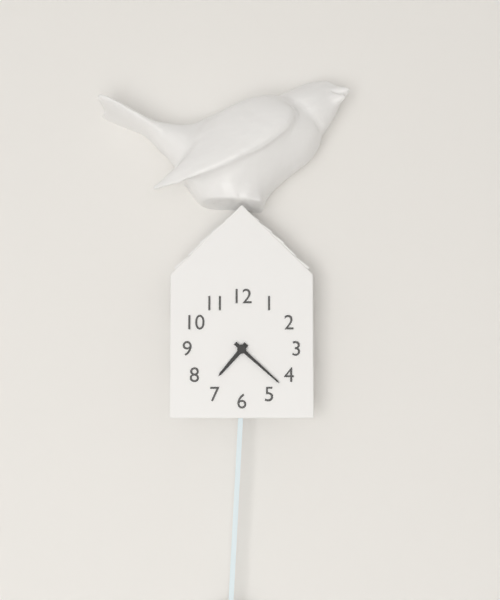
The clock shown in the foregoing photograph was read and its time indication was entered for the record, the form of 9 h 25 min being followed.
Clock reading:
7 h 22 min
